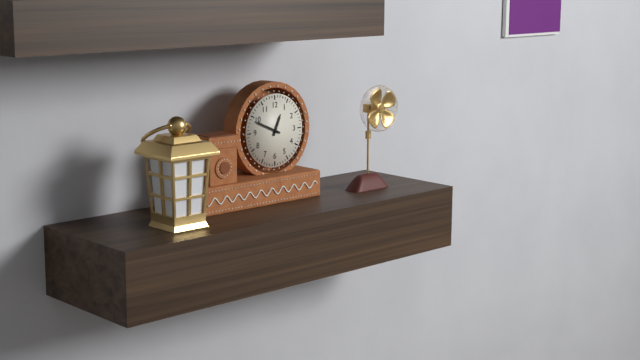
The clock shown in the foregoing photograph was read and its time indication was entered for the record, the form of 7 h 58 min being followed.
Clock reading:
12 h 49 min
